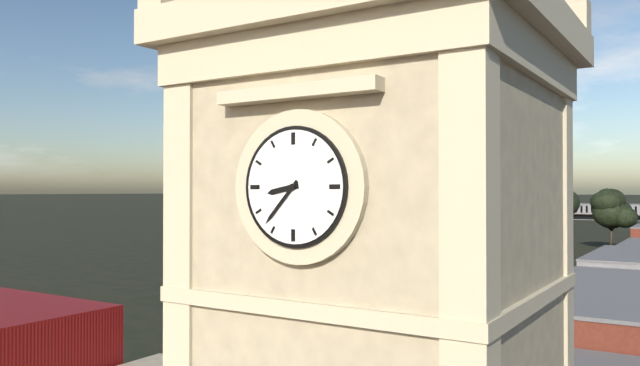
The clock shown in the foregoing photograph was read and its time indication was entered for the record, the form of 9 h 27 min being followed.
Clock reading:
8 h 37 min
